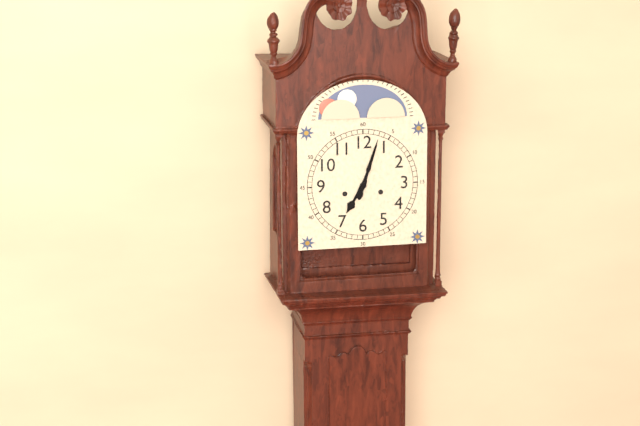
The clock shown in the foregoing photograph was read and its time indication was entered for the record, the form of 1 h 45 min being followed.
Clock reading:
7 h 03 min
